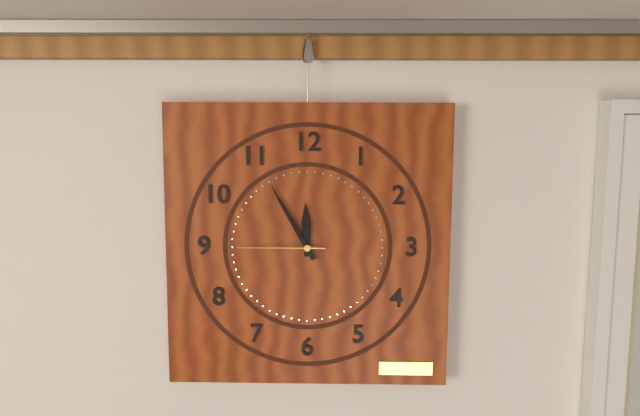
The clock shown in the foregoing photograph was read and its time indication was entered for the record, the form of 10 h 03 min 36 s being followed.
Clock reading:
11 h 55 min 45 s
